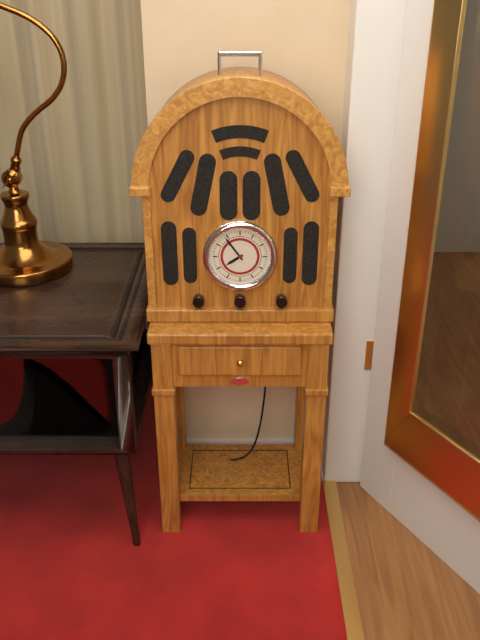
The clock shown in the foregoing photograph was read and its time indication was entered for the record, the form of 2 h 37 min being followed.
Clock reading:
7 h 54 min
